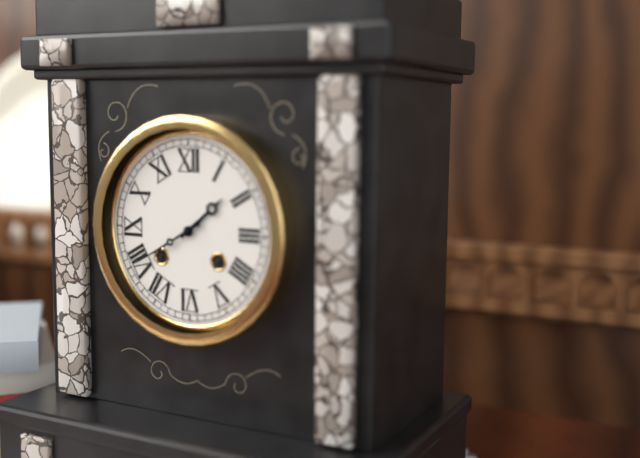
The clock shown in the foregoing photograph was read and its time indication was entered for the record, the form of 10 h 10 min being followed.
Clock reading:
1 h 40 min
